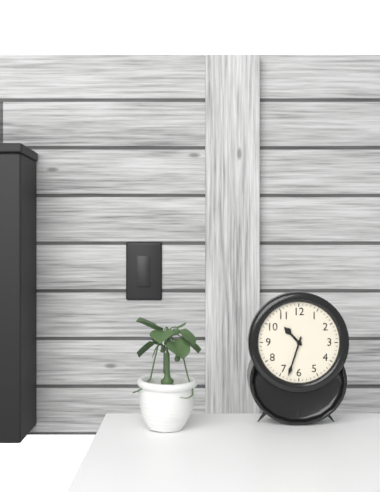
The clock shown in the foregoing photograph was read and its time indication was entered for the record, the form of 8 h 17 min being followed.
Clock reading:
10 h 33 min
